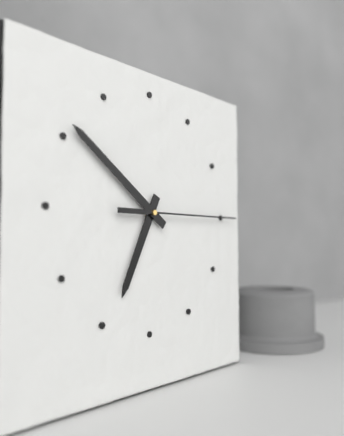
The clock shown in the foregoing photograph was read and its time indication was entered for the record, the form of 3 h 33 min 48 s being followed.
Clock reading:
6 h 51 min 15 s
